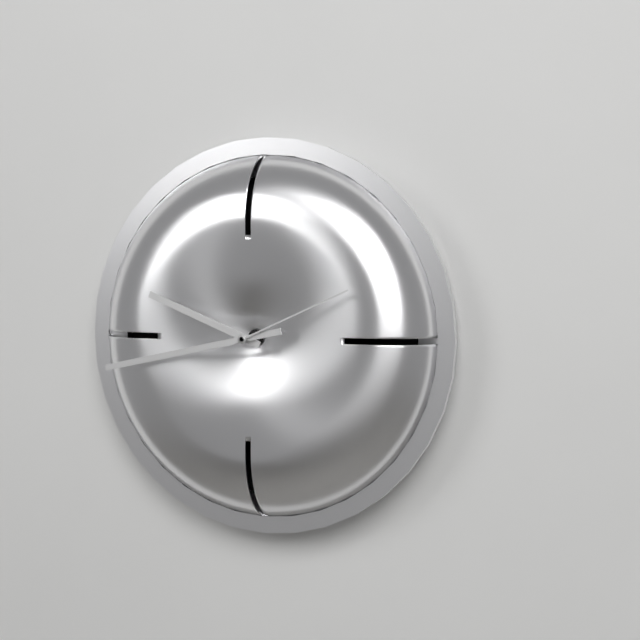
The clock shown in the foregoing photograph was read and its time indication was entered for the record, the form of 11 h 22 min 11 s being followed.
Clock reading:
9 h 43 min 11 s
